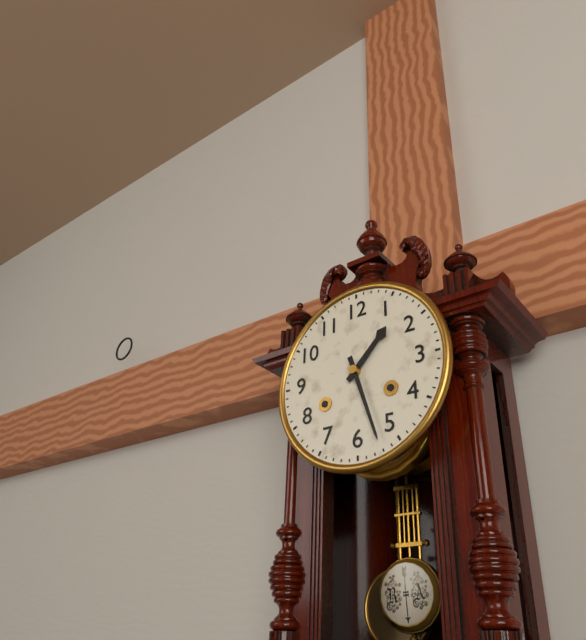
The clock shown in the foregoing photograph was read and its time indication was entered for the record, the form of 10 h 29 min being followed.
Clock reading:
1 h 27 min
